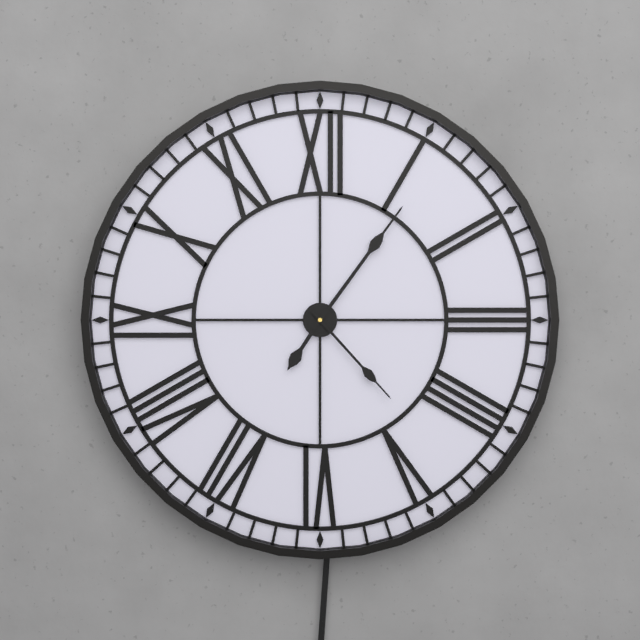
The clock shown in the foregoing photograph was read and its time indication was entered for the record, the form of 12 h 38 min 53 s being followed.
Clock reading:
7 h 06 min 23 s
